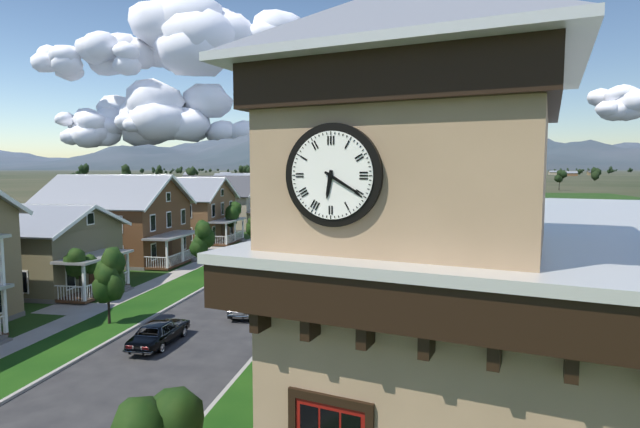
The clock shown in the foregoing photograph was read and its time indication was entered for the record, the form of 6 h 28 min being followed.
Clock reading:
6 h 20 min
